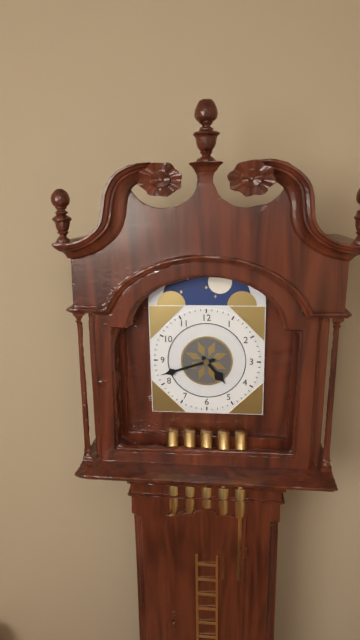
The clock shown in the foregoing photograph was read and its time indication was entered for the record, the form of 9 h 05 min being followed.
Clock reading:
4 h 42 min
